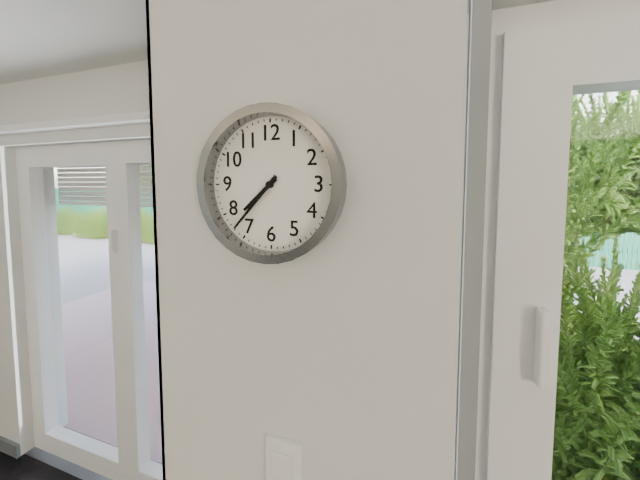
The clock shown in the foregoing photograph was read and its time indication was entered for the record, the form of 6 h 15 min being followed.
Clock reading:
7 h 37 min
